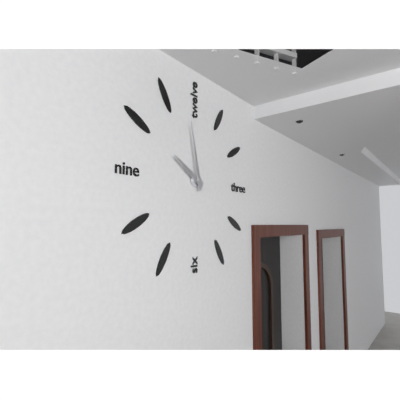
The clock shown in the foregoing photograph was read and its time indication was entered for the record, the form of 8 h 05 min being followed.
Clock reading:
9 h 58 min
